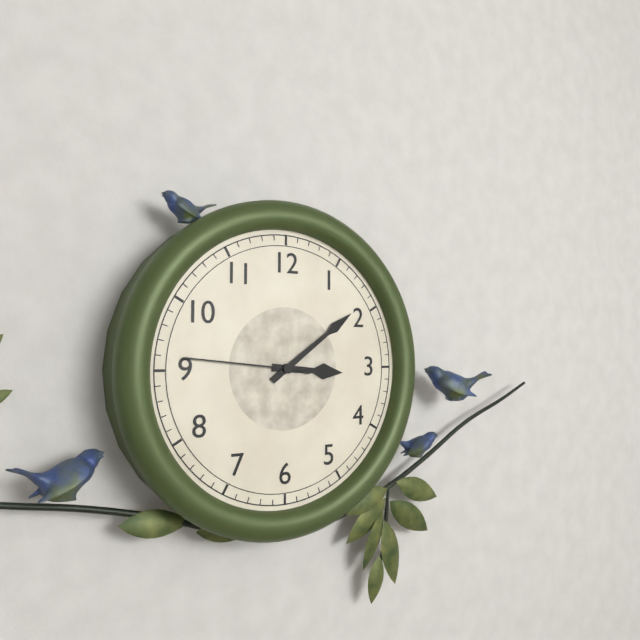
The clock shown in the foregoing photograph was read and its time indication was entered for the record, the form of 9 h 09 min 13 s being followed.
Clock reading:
3 h 09 min 46 s
